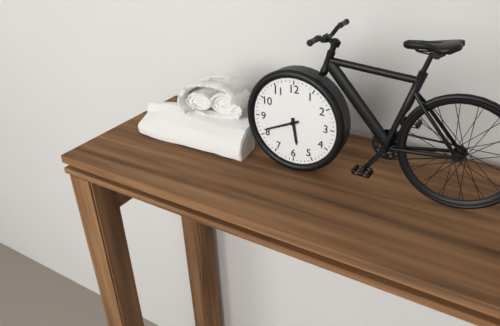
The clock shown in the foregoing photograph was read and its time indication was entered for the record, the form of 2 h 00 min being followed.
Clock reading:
5 h 41 min
